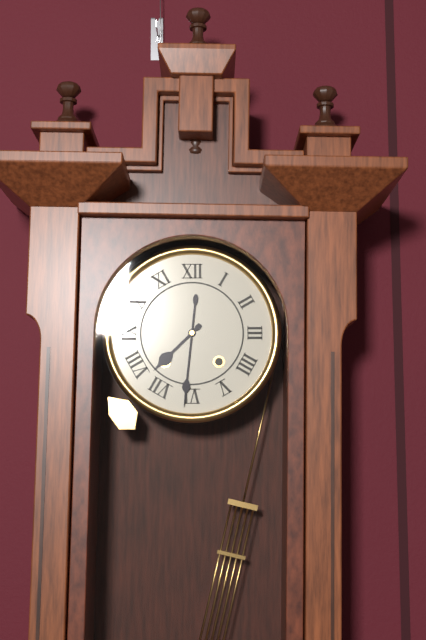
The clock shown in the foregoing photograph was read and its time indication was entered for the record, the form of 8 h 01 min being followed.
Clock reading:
7 h 31 min
